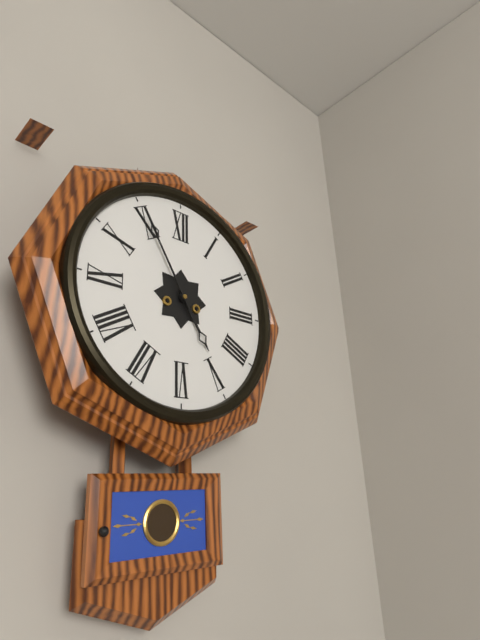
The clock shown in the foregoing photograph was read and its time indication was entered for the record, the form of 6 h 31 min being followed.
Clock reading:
4 h 55 min
